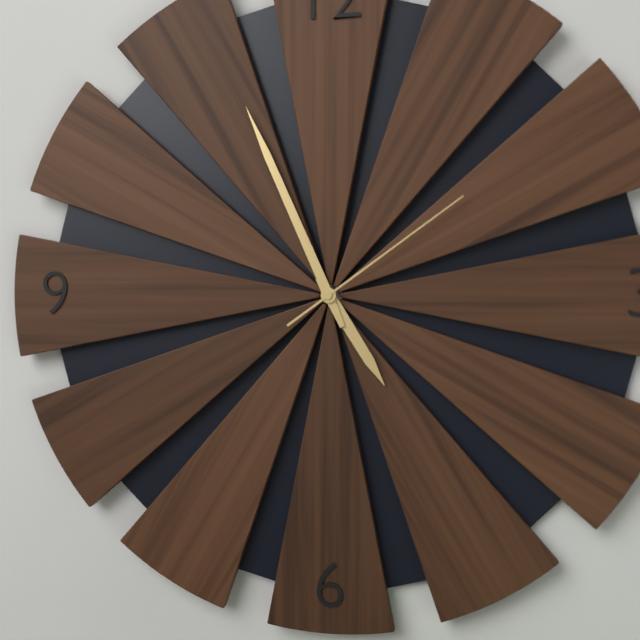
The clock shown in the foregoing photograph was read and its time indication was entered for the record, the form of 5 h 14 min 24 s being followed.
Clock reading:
4 h 56 min 09 s
